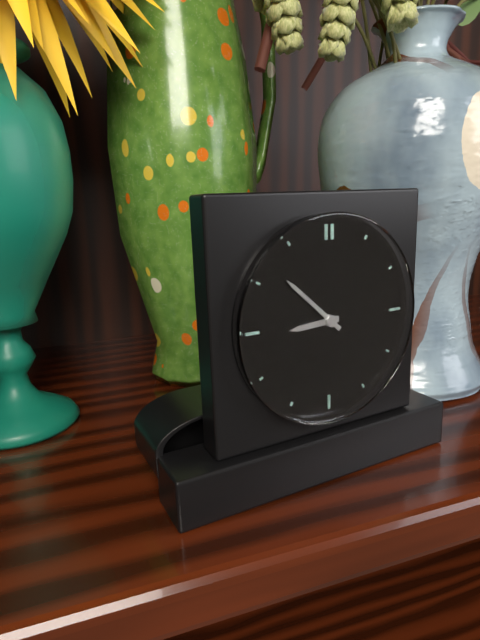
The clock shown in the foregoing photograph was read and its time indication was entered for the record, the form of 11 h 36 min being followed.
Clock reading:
8 h 52 min
